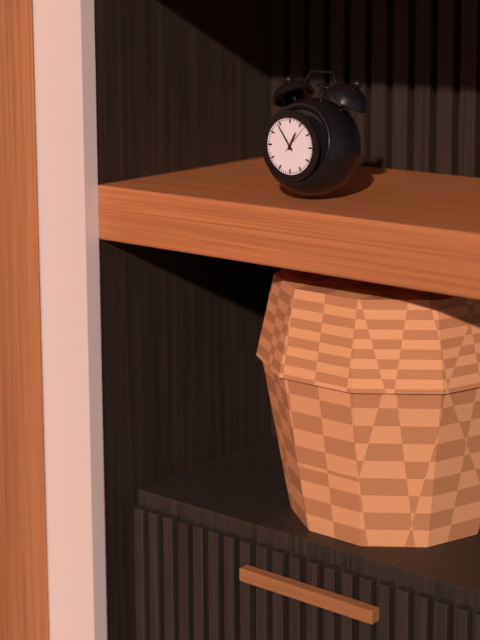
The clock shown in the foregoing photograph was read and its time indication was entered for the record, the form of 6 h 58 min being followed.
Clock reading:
12 h 54 min
